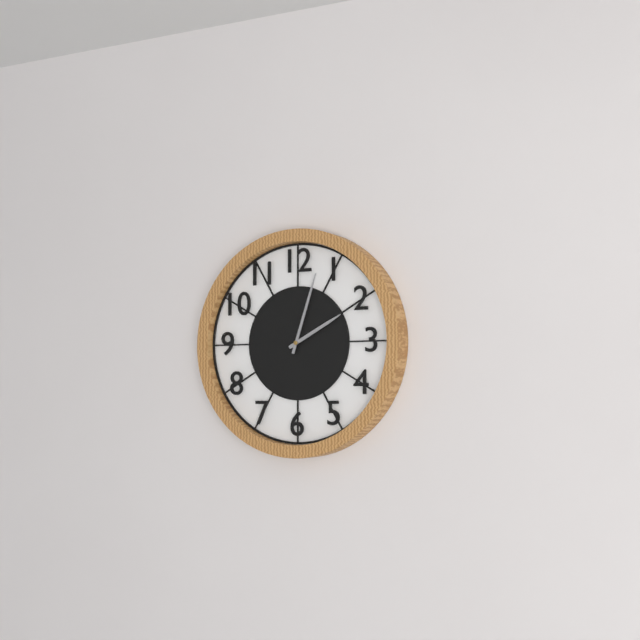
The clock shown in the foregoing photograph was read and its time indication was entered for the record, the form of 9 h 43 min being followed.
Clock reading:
2 h 03 min
